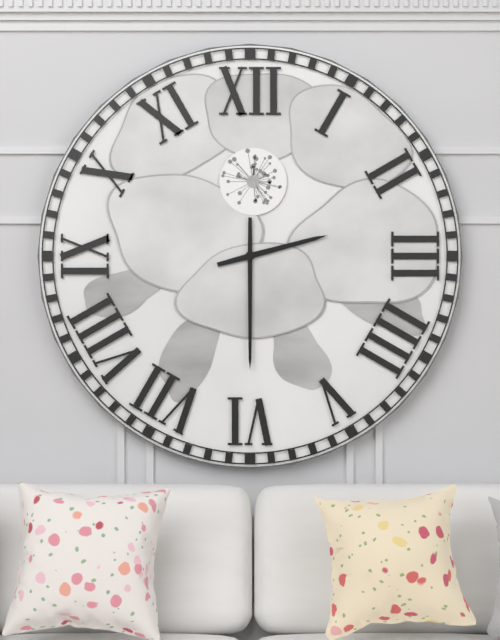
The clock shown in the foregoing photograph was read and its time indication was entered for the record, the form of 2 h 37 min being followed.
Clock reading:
2 h 30 min
